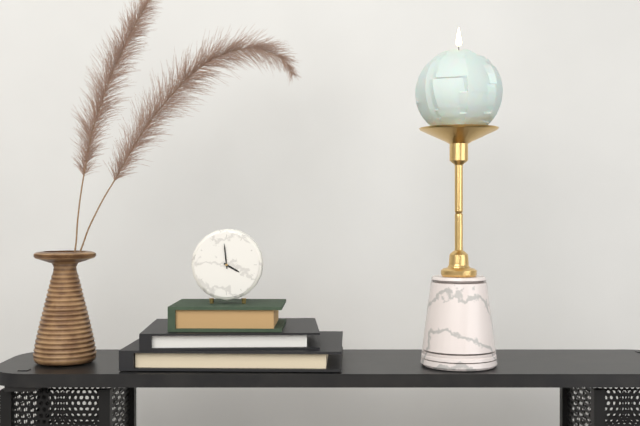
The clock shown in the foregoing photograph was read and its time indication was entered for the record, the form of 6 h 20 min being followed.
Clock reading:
3 h 59 min
